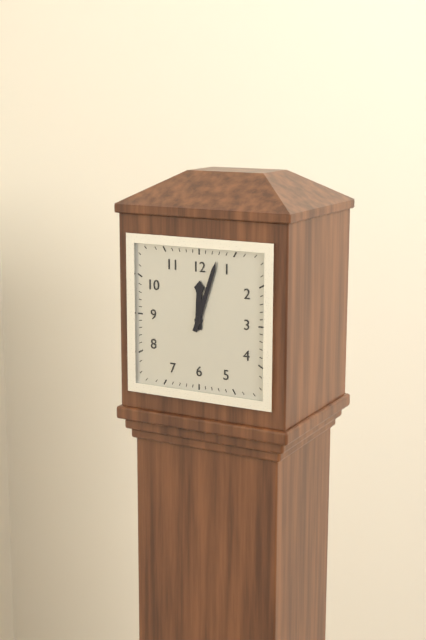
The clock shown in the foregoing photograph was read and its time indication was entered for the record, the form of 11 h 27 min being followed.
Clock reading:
12 h 03 min
